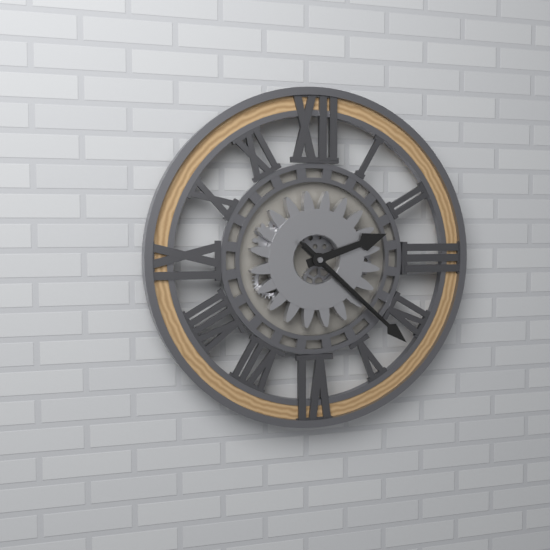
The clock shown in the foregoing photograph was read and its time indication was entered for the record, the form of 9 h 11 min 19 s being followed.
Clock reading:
2 h 22 min 22 s
